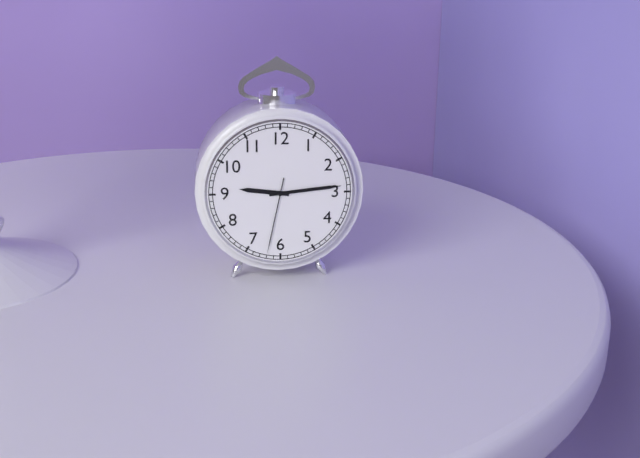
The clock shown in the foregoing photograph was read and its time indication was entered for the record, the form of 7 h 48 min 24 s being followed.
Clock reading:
9 h 14 min 32 s
